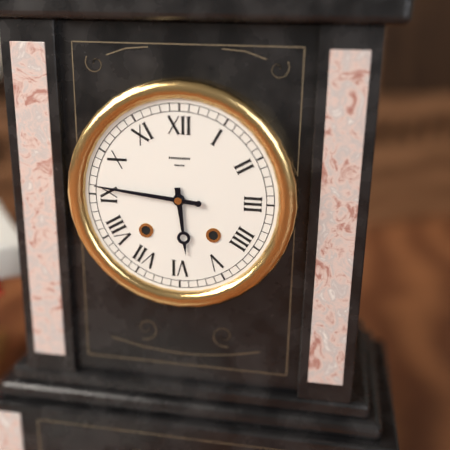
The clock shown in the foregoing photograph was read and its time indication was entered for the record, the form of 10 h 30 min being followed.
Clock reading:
5 h 46 min
